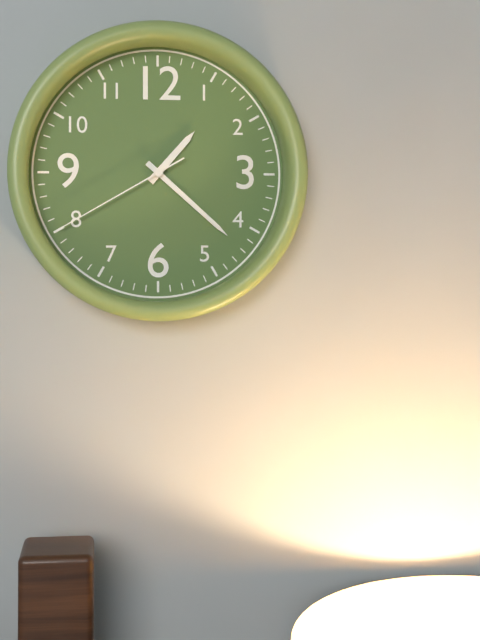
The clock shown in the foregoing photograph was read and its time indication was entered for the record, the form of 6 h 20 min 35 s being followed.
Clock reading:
1 h 22 min 40 s
